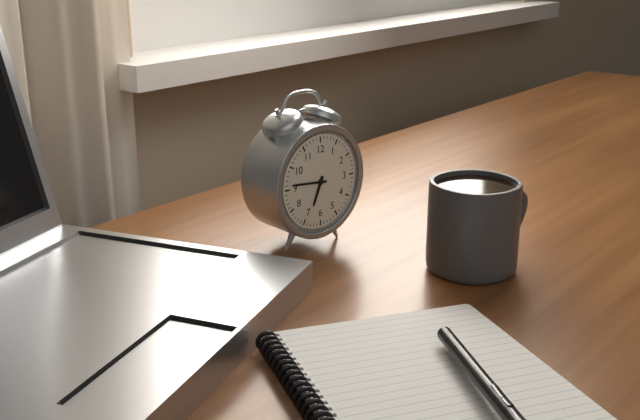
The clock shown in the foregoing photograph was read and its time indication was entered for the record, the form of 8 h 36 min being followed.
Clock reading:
6 h 46 min
